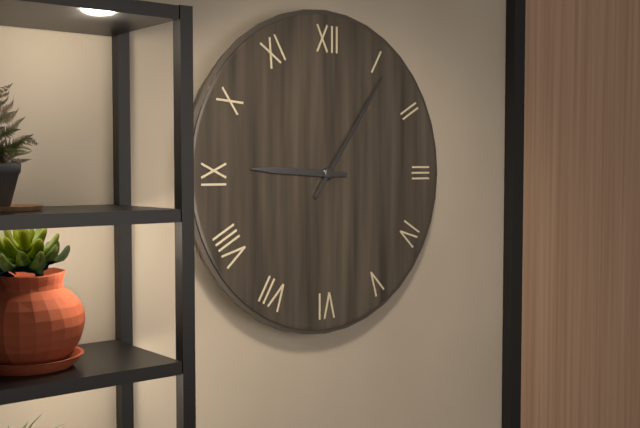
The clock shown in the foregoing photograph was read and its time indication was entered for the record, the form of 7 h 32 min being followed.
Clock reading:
9 h 06 min
